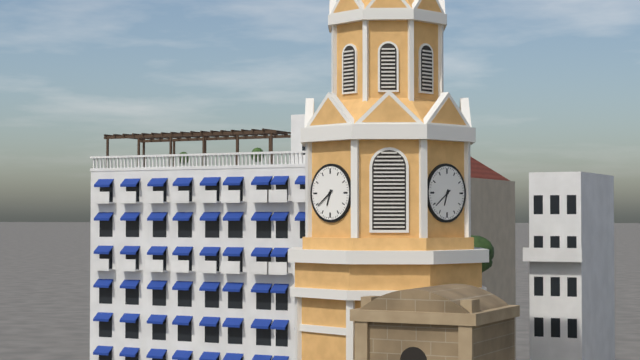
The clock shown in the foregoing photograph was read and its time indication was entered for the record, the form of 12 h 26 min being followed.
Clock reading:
6 h 39 min
